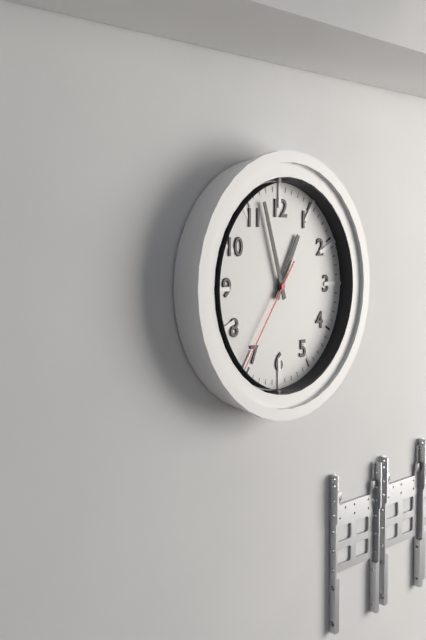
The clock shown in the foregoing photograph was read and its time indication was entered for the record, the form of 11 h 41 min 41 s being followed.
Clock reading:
12 h 57 min 36 s
